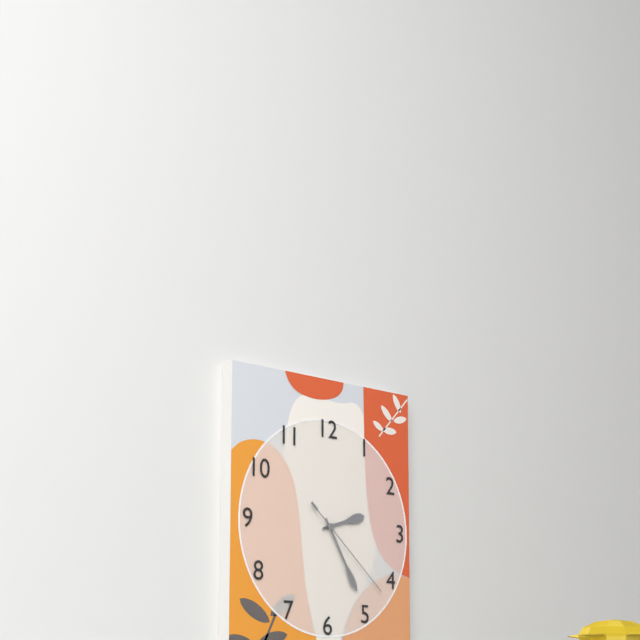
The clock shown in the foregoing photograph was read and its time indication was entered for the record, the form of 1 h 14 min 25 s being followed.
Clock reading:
2 h 25 min 22 s
